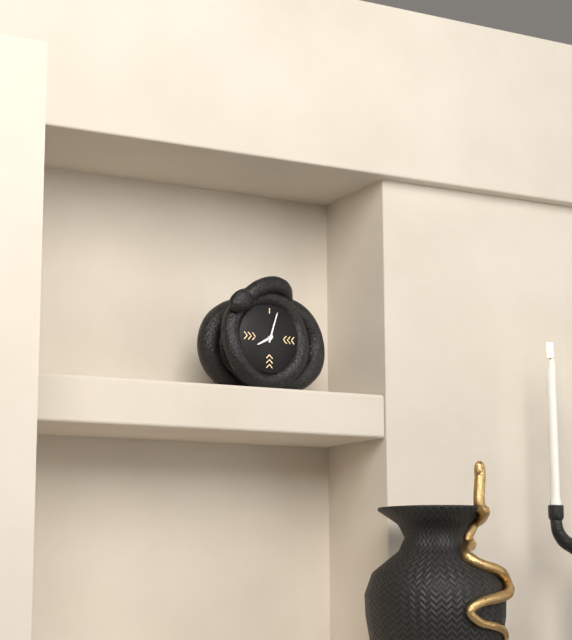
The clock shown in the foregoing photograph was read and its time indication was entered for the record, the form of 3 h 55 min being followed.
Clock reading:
8 h 03 min
